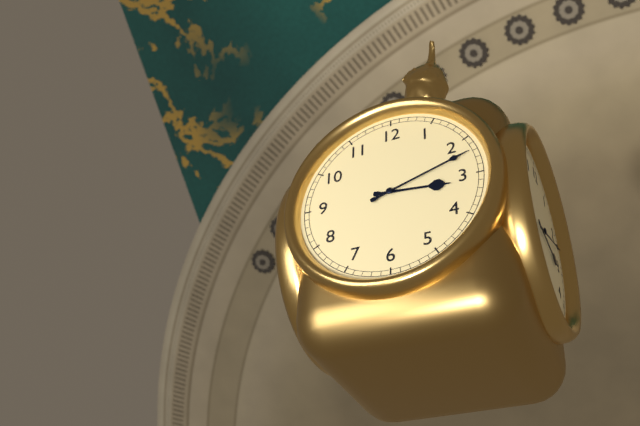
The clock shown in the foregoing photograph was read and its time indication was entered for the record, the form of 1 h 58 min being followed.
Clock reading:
3 h 12 min
